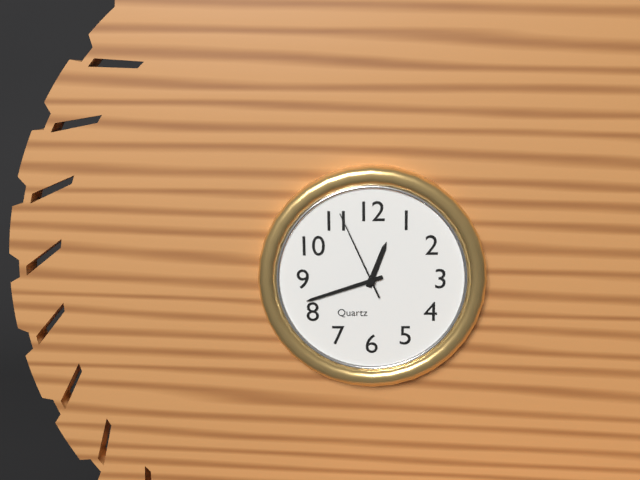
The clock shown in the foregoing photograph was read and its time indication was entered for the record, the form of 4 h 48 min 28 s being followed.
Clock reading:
12 h 42 min 56 s
